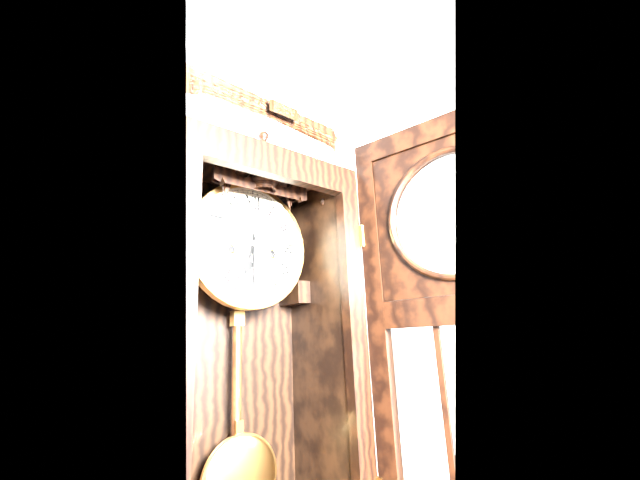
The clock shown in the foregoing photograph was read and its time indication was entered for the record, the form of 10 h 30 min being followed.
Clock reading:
6 h 30 min
